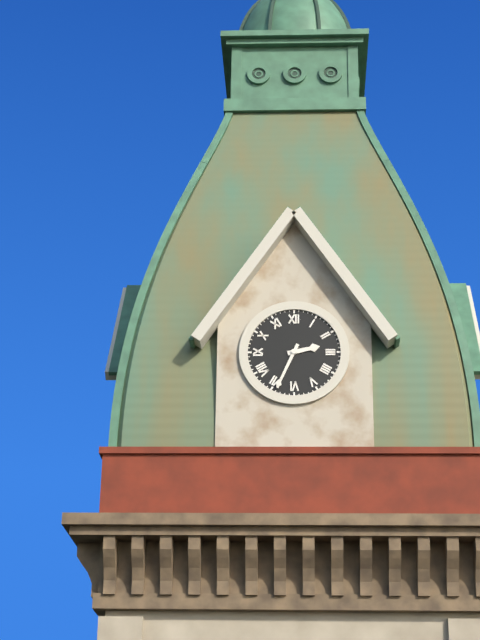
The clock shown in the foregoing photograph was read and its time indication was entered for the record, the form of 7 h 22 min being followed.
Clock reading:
2 h 34 min
